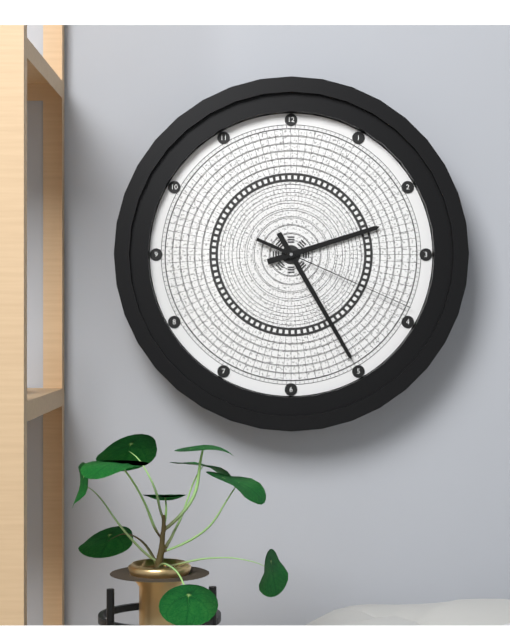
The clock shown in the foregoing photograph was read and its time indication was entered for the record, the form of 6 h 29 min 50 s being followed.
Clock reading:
2 h 25 min 19 s
